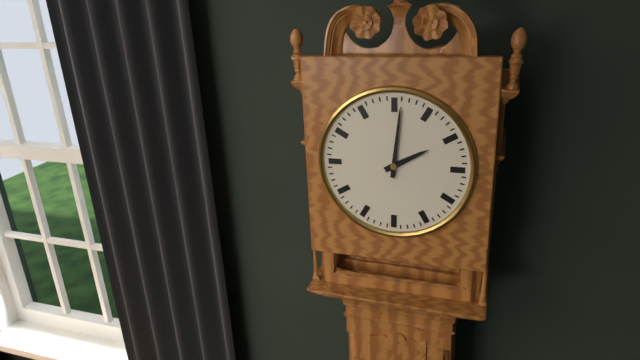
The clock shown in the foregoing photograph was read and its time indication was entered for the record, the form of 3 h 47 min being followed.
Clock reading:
2 h 01 min
